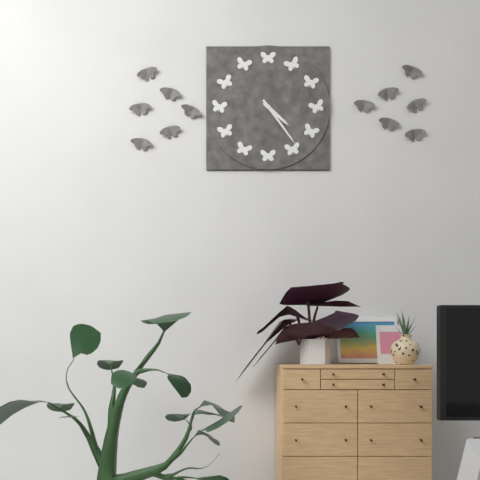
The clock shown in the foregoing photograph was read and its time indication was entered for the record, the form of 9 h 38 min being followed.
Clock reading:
4 h 24 min
